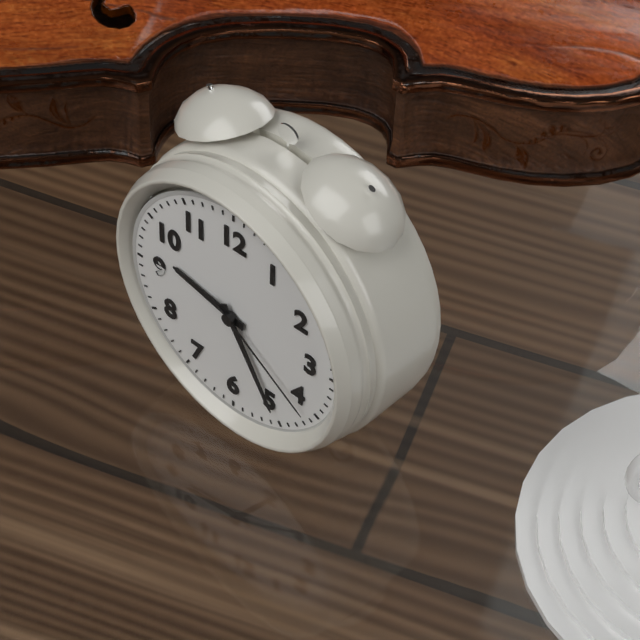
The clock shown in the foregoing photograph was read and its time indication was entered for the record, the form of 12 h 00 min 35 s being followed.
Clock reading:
9 h 25 min 21 s
